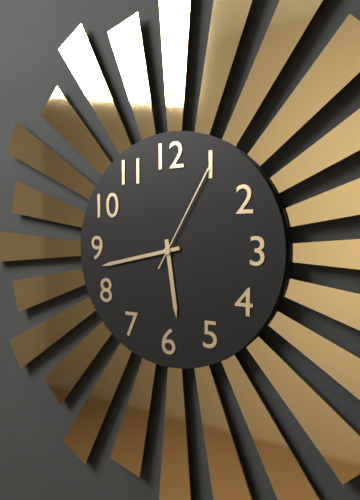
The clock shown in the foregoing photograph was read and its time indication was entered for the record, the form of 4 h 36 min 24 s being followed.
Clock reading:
5 h 43 min 05 s
